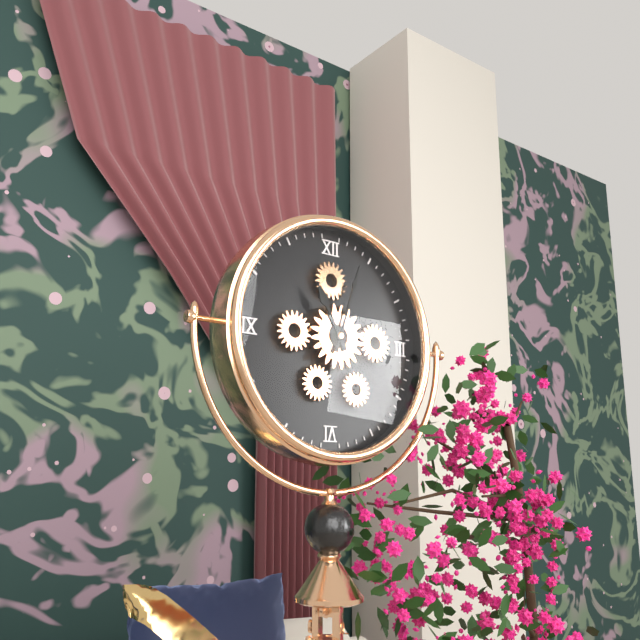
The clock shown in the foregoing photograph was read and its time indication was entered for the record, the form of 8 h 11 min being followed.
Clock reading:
11 h 03 min
